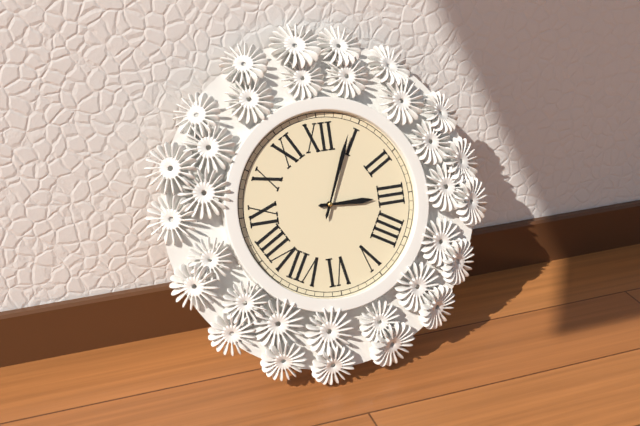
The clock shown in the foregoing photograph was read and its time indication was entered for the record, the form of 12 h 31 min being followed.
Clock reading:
3 h 04 min
